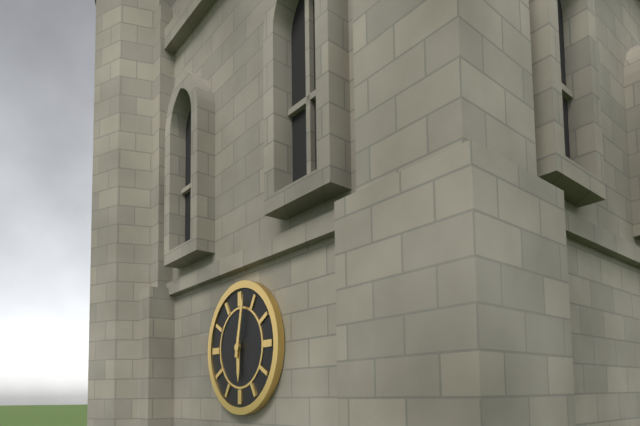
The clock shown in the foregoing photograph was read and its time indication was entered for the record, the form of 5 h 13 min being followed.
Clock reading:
6 h 02 min
